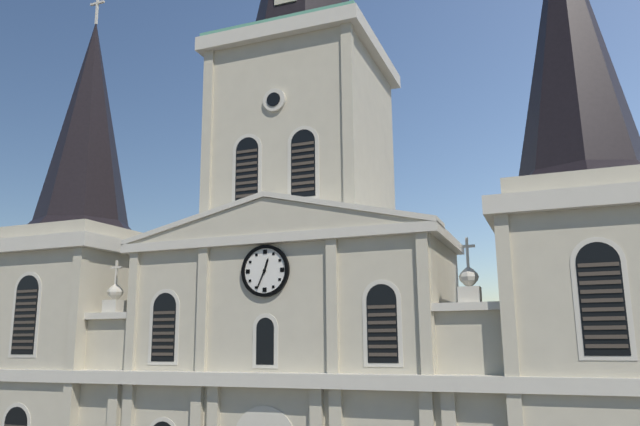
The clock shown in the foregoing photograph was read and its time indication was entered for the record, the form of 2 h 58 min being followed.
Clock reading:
12 h 34 min
